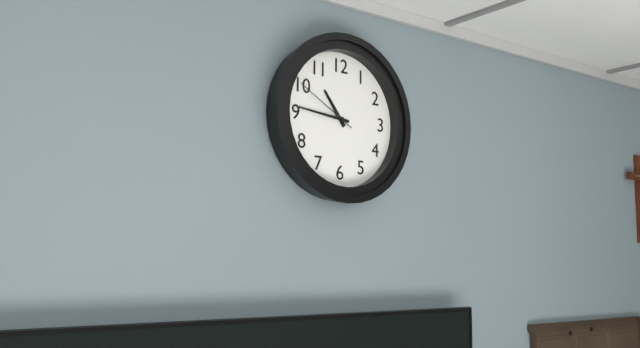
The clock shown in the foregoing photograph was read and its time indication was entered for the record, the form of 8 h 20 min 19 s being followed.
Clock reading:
10 h 46 min 50 s
